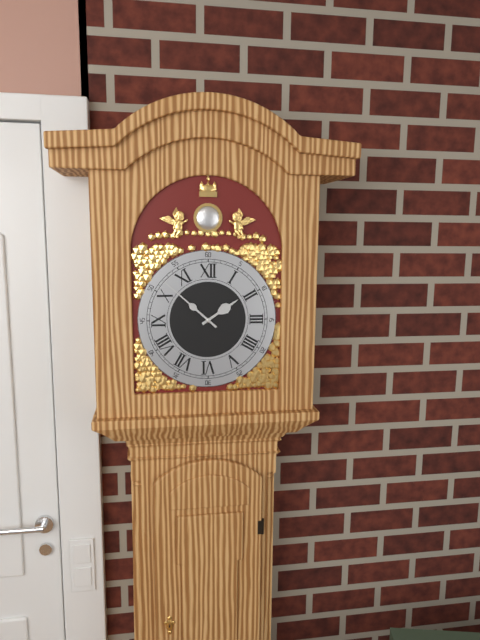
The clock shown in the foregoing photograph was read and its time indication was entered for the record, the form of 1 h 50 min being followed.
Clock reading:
1 h 52 min
